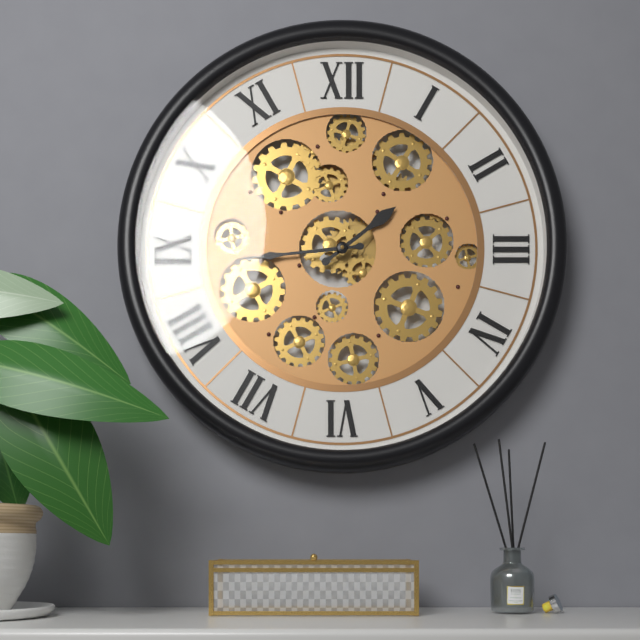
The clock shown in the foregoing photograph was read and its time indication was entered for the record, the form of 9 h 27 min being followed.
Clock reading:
1 h 44 min
